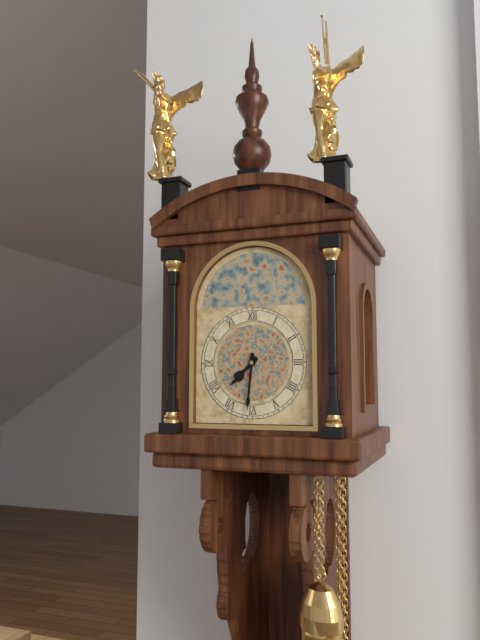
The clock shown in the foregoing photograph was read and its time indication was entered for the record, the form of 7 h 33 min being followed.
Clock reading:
7 h 31 min
